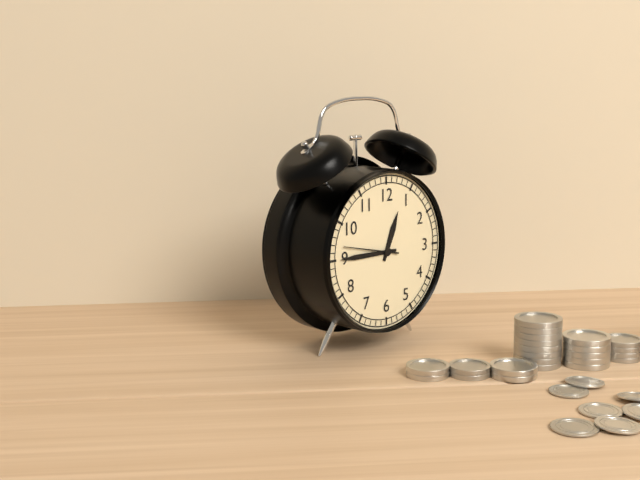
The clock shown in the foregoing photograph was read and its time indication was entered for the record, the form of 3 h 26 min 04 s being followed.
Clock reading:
12 h 45 min 47 s
